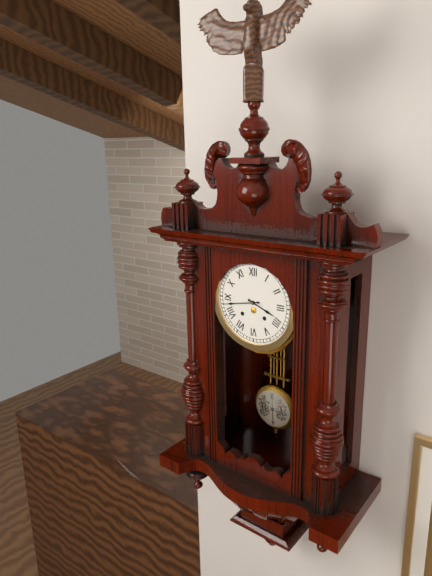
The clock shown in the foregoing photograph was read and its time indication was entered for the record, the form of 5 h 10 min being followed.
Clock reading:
3 h 43 min
